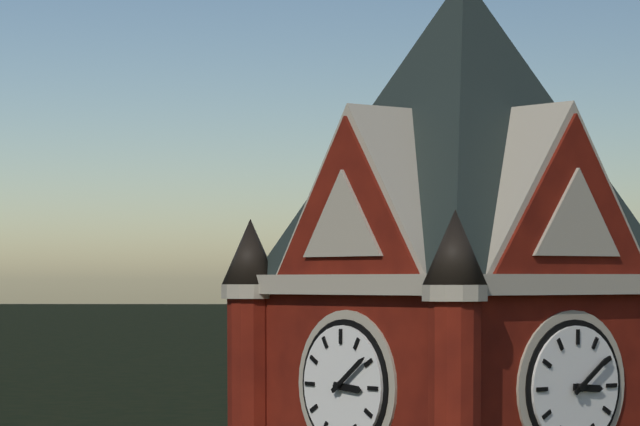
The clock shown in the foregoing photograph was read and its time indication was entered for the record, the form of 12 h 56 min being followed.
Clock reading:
3 h 09 min
